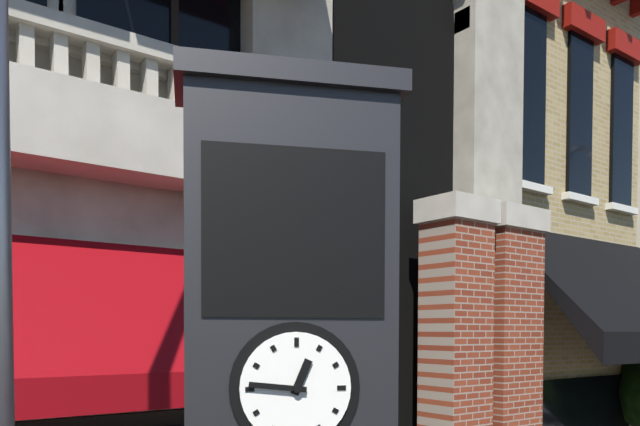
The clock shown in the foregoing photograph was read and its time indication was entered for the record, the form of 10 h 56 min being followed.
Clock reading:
12 h 46 min
